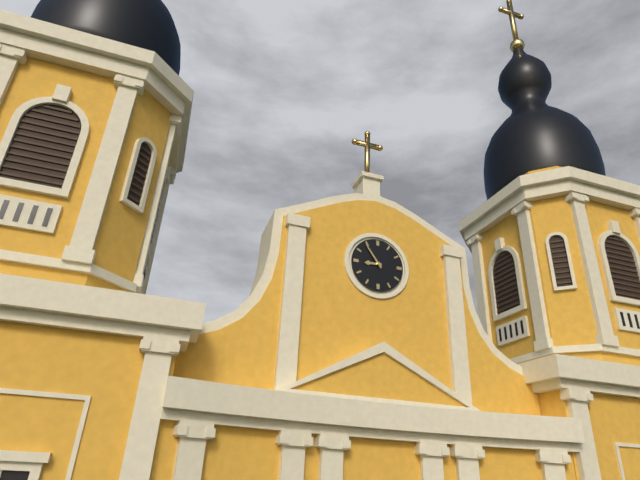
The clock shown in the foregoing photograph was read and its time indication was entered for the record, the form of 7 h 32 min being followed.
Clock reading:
8 h 54 min
